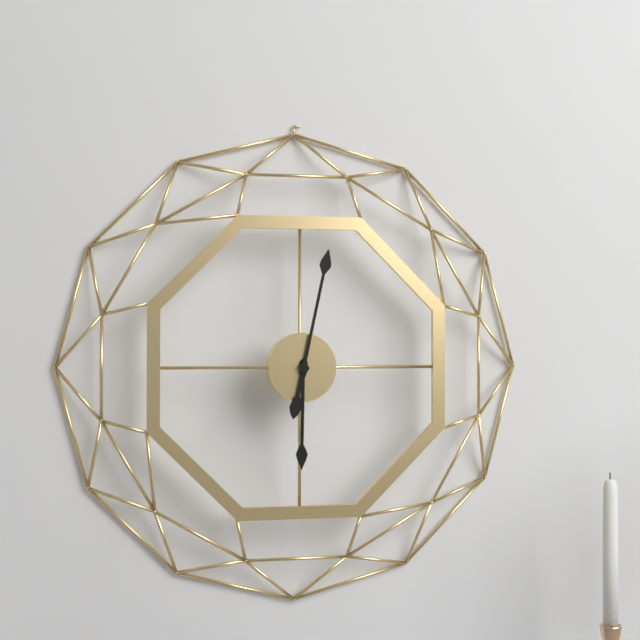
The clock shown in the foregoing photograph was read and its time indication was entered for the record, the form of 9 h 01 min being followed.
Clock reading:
6 h 02 min
